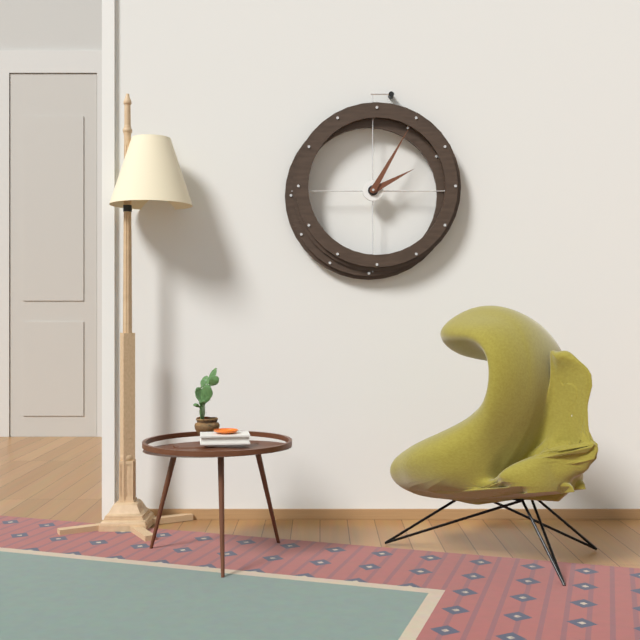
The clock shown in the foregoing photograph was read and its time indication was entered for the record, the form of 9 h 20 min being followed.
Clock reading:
2 h 05 min
